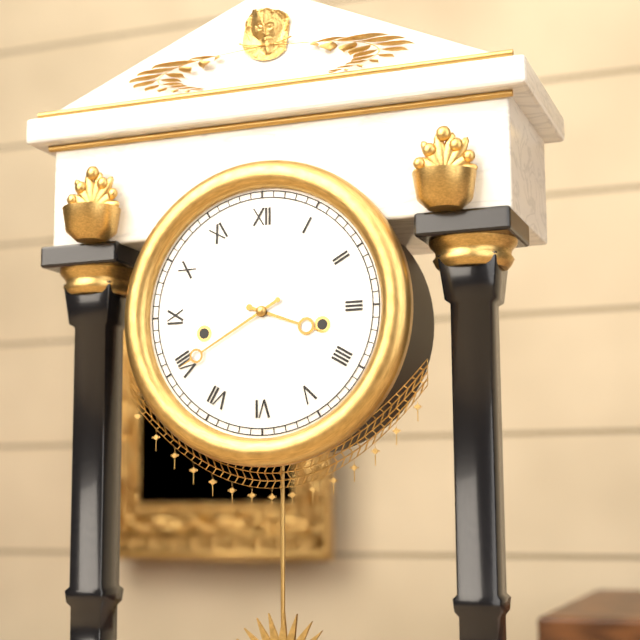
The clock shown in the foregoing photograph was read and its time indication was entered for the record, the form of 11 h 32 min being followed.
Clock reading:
3 h 40 min
